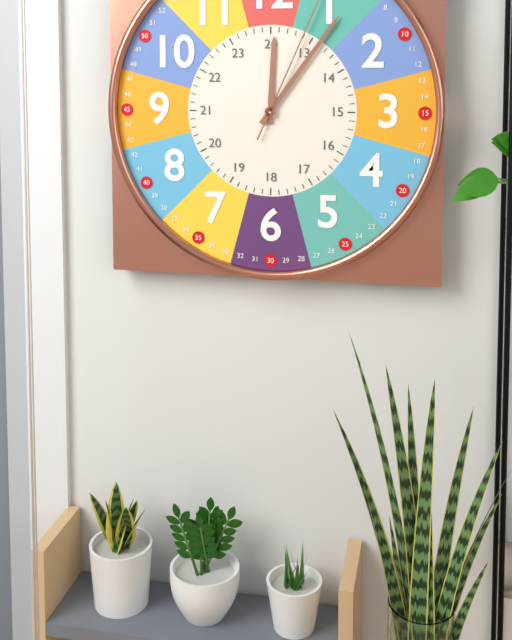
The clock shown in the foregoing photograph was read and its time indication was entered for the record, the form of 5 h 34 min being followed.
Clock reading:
12 h 06 min
